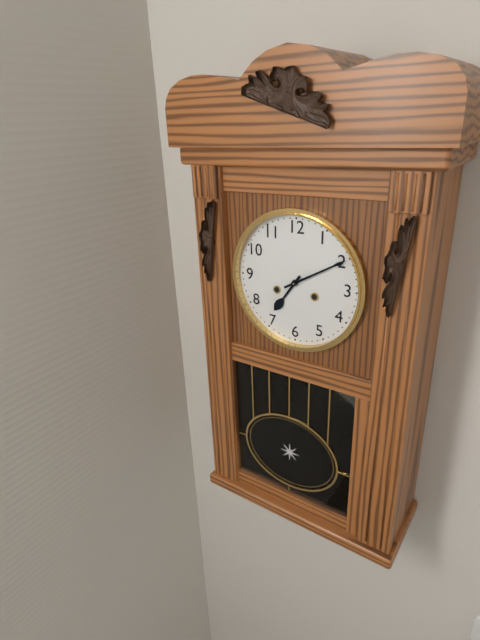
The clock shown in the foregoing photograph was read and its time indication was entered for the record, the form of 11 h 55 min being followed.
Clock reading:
7 h 10 min
